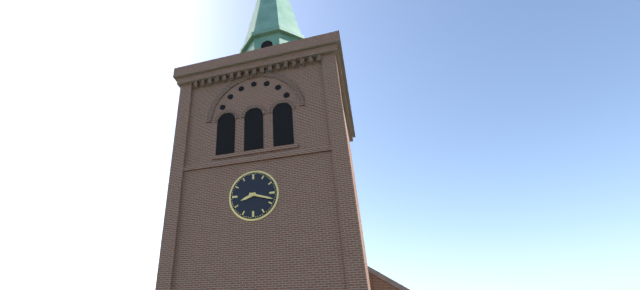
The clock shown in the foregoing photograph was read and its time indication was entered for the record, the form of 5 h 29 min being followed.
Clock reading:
8 h 18 min
